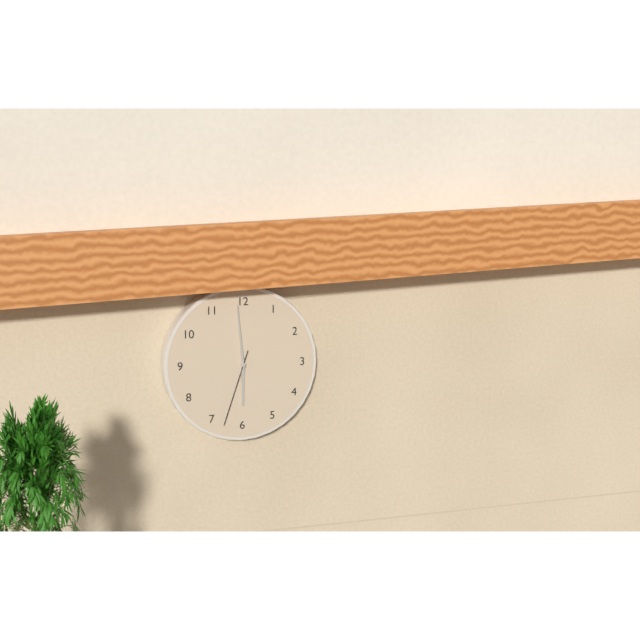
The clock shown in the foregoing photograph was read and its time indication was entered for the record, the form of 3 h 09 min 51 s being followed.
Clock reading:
5 h 59 min 33 s
